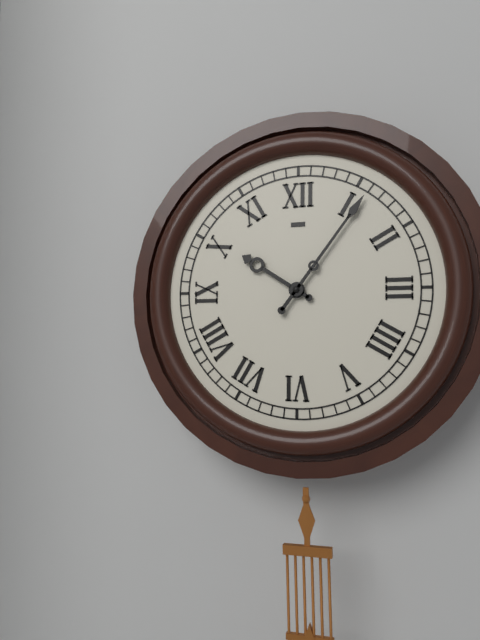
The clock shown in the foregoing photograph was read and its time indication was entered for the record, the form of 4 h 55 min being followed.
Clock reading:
10 h 06 min
